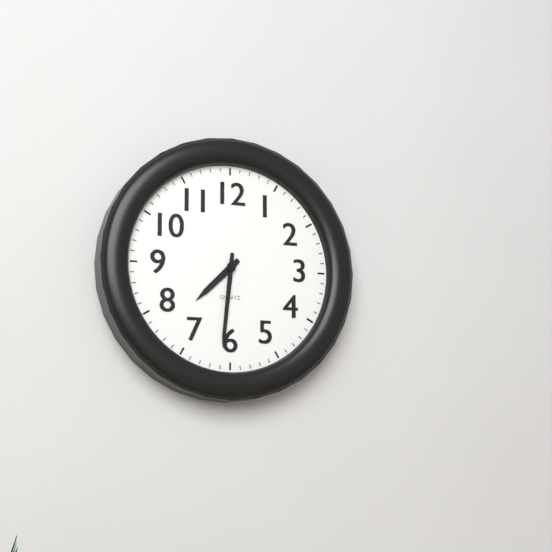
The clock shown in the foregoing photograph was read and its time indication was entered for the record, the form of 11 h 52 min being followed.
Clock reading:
7 h 31 min
